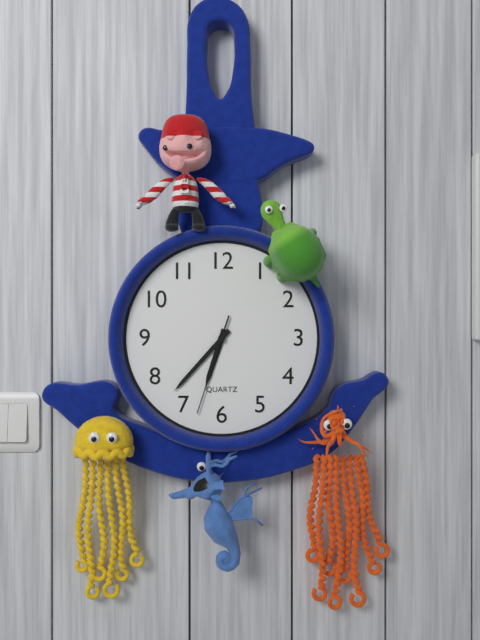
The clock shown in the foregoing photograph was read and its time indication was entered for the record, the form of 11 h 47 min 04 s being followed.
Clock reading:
6 h 37 min 33 s
